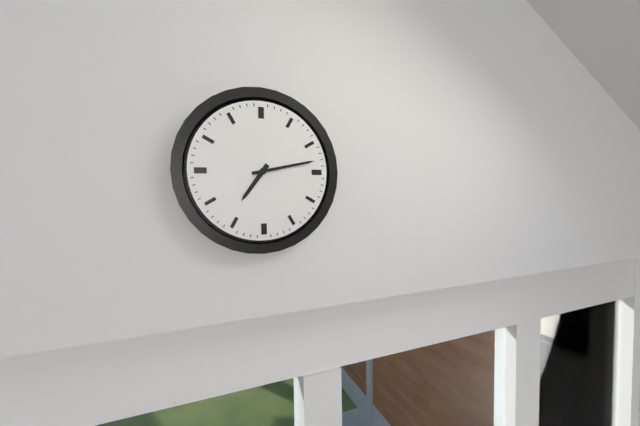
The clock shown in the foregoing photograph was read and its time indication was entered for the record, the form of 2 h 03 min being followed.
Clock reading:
7 h 13 min
